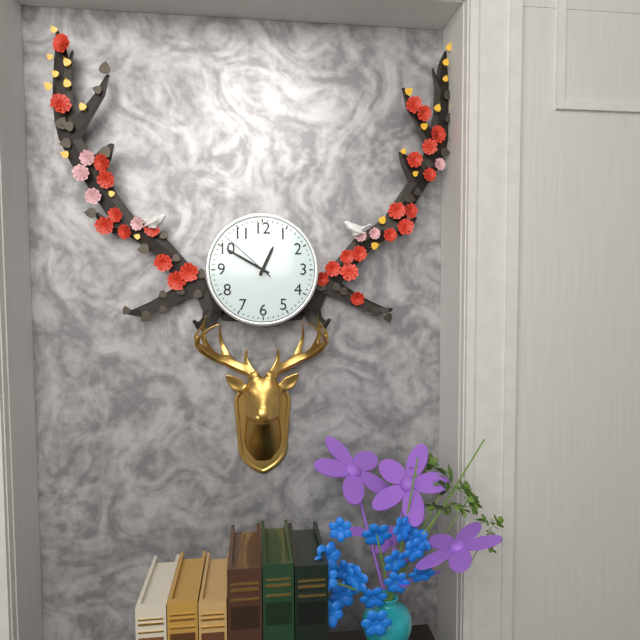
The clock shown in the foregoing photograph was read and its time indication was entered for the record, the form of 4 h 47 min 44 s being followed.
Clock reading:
12 h 50 min 52 s
